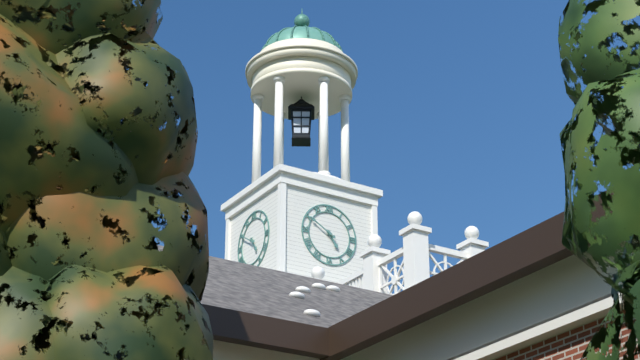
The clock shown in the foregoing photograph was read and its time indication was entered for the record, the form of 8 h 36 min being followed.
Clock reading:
4 h 50 min
